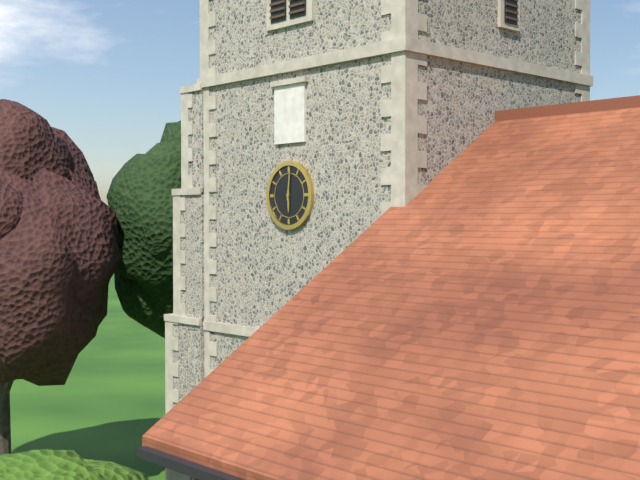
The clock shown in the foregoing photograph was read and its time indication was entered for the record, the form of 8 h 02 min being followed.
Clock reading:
6 h 01 min
